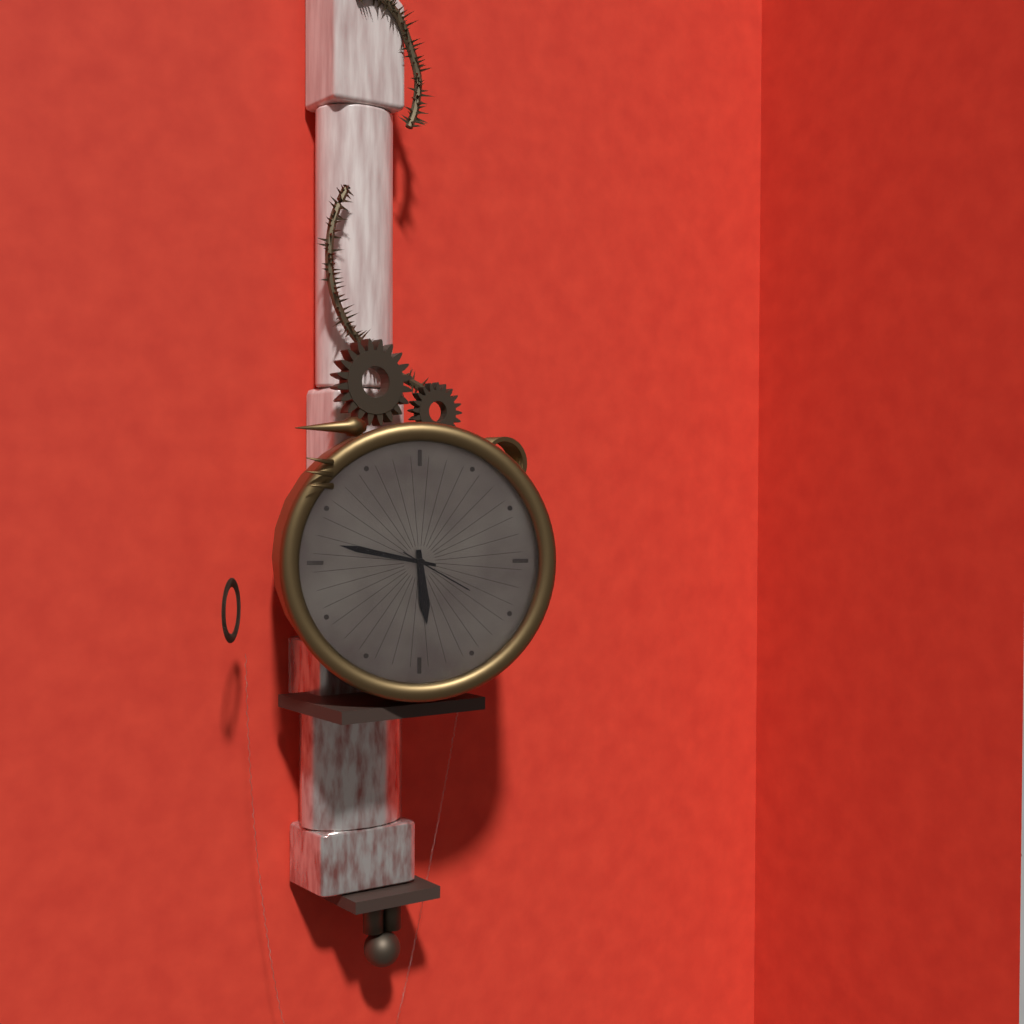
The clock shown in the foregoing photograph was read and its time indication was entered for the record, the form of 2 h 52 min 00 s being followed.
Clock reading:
5 h 47 min 20 s
